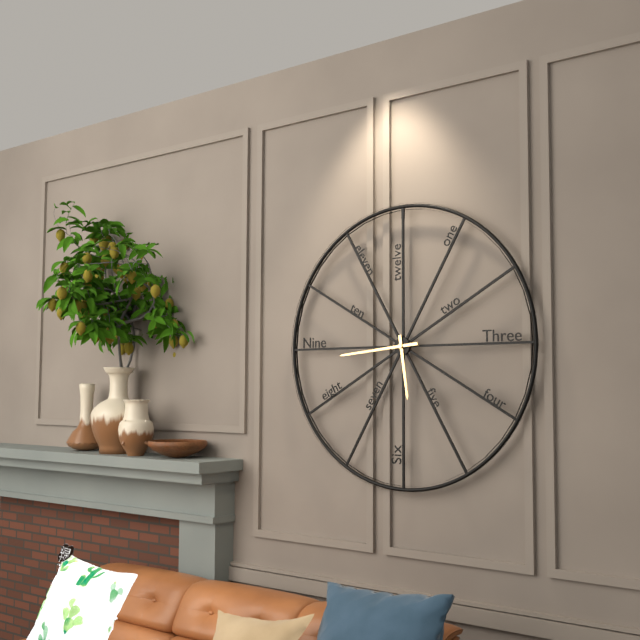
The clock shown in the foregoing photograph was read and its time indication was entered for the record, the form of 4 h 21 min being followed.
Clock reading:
5 h 44 min
